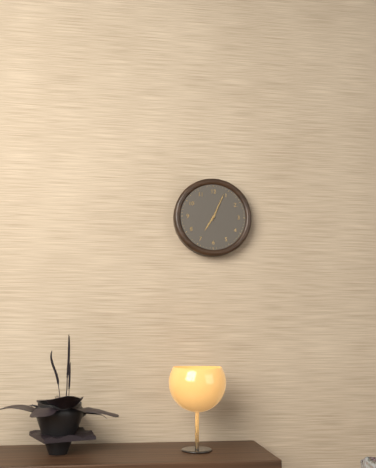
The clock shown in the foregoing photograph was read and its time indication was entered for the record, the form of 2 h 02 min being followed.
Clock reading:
7 h 04 min
